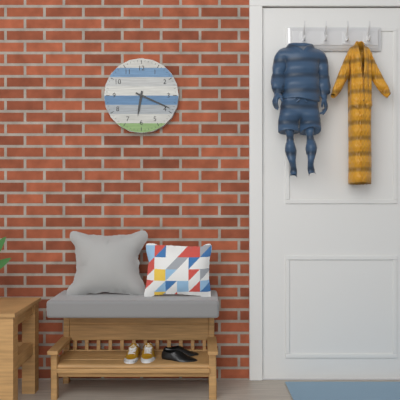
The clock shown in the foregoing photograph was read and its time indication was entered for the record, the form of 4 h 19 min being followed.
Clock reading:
6 h 19 min
